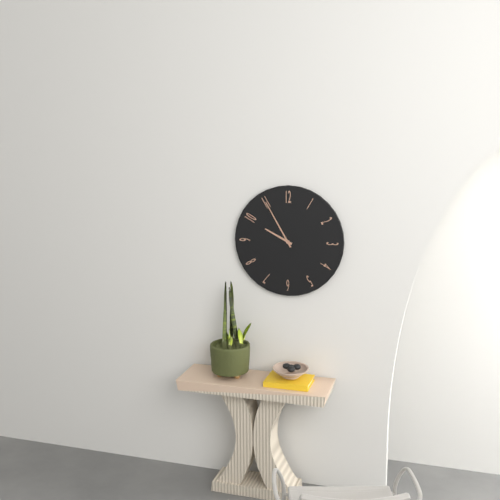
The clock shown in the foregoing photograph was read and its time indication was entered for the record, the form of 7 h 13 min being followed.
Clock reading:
9 h 55 min
